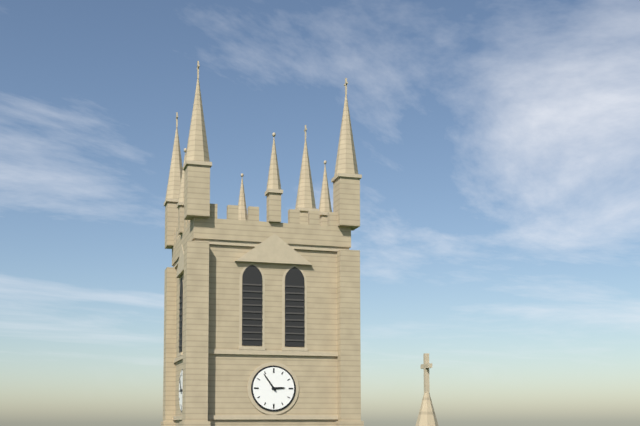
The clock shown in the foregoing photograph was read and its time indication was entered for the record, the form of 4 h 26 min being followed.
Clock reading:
2 h 54 min
